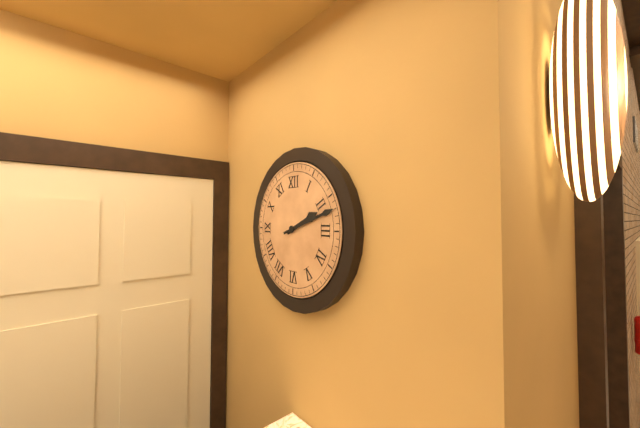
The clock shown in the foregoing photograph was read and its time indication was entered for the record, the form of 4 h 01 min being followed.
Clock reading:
2 h 12 min
